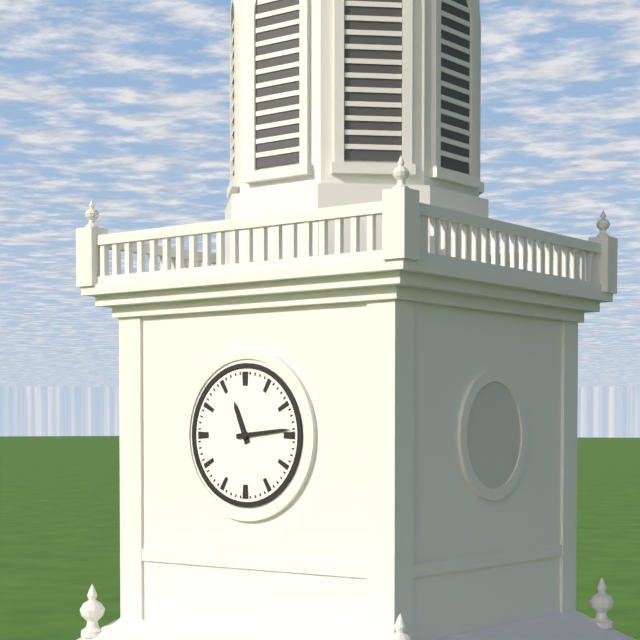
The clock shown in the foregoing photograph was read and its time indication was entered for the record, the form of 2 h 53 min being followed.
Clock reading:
11 h 14 min
